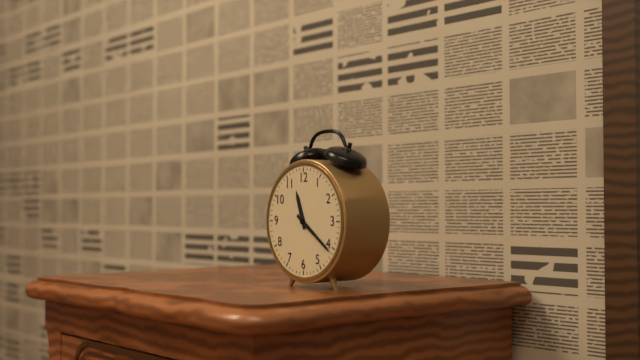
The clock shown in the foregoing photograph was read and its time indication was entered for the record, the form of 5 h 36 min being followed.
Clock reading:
11 h 21 min
